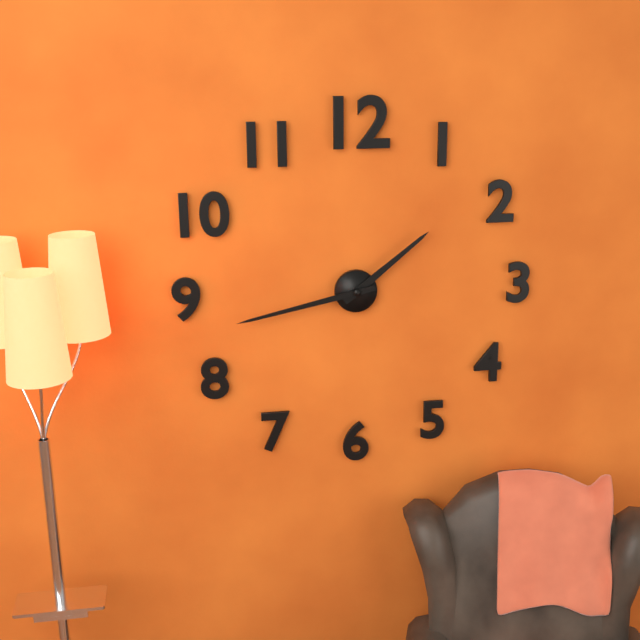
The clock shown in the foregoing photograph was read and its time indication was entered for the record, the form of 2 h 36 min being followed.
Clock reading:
1 h 43 min
